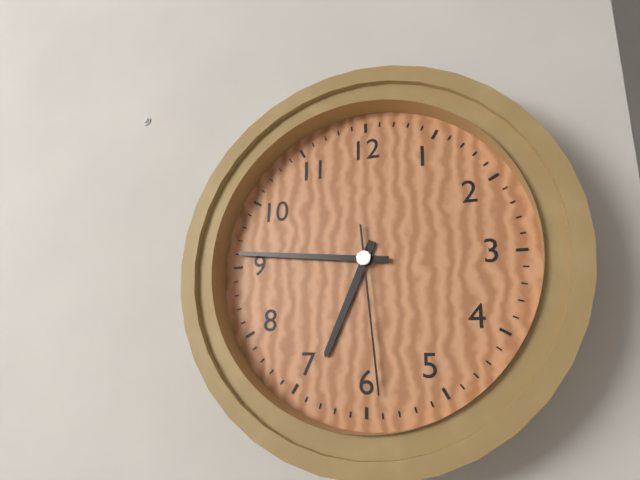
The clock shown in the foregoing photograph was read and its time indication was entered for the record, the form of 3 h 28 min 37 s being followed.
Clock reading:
6 h 46 min 29 s
